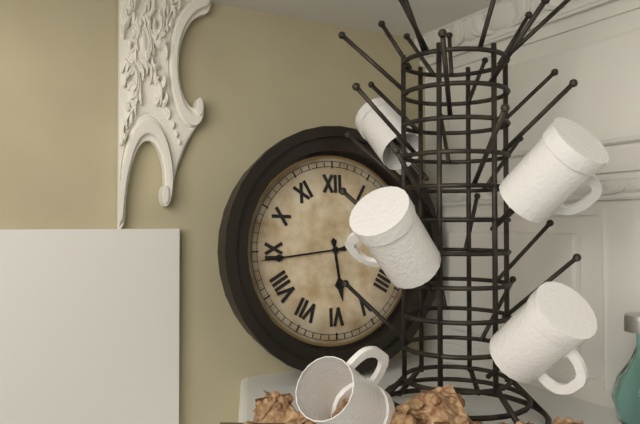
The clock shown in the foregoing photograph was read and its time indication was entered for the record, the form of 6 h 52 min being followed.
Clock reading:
5 h 44 min
